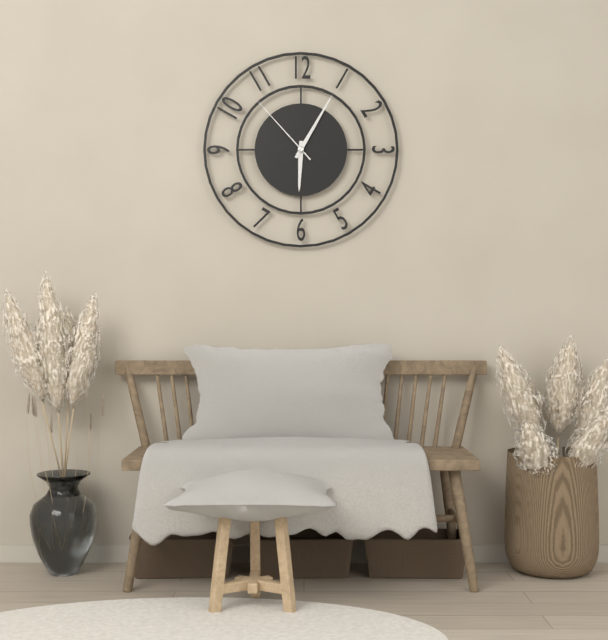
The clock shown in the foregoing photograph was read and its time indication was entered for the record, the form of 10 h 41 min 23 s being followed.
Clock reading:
6 h 05 min 53 s
